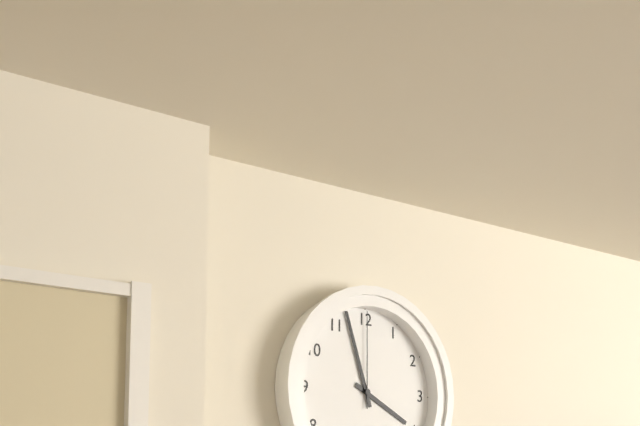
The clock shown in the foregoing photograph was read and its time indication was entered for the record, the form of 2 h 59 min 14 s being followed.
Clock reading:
3 h 57 min 00 s
